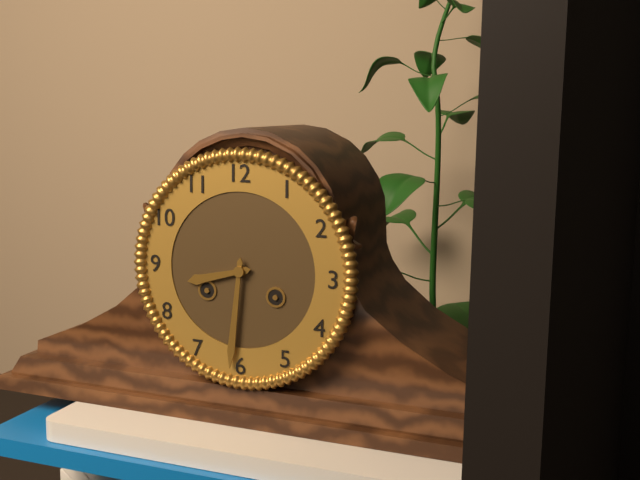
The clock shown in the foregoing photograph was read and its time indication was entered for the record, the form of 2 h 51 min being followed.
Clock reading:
8 h 31 min
